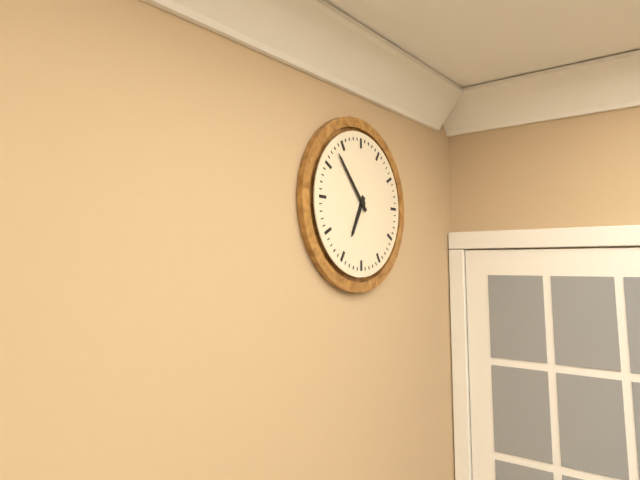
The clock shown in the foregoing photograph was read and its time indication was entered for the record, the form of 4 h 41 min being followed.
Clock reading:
6 h 53 min
